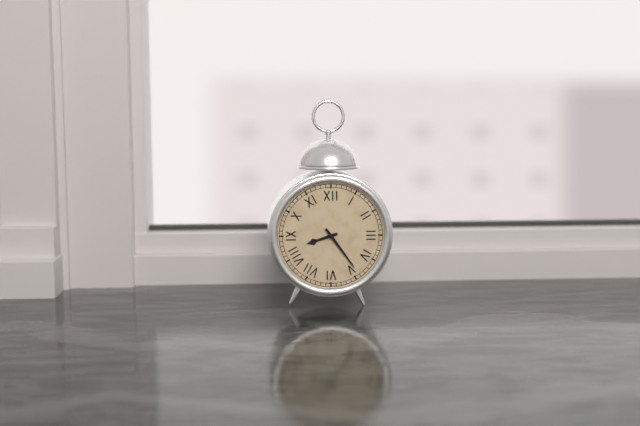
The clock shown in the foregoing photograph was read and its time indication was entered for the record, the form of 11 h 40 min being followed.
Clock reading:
8 h 24 min
